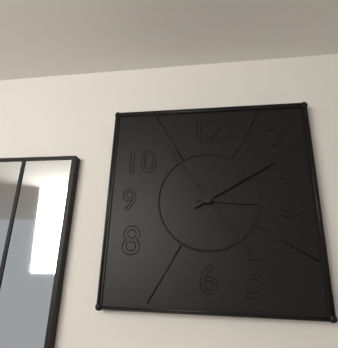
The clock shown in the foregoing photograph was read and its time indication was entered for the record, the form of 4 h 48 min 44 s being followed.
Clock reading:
3 h 10 min 54 s
